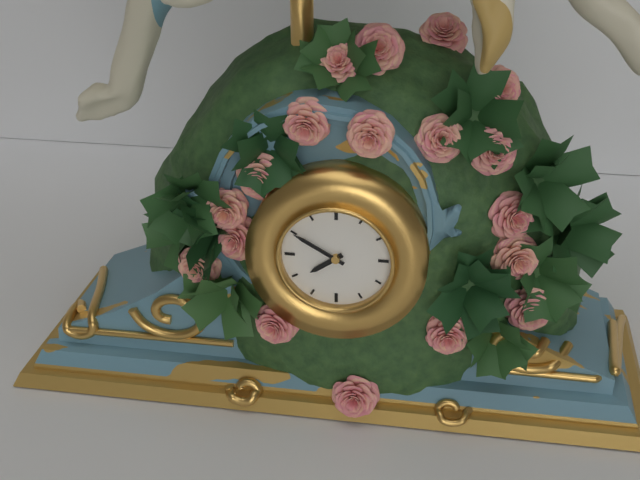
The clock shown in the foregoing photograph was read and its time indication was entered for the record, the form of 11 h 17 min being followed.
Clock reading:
7 h 50 min
